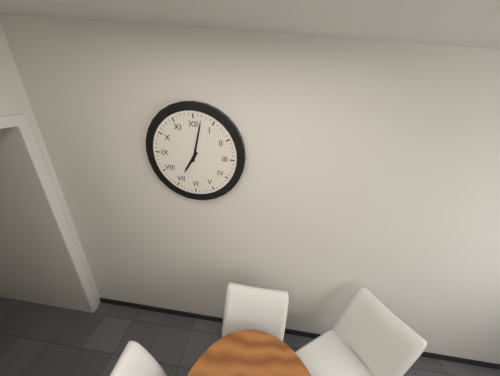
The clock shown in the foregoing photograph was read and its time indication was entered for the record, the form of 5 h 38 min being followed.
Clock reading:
7 h 02 min
